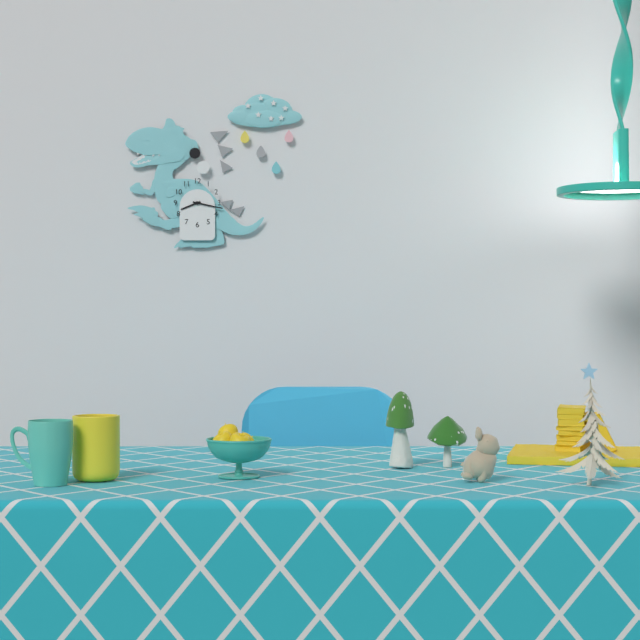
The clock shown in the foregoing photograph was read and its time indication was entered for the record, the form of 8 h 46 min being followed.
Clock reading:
8 h 17 min
